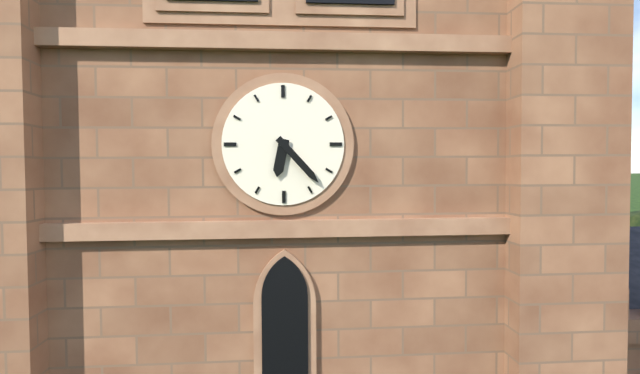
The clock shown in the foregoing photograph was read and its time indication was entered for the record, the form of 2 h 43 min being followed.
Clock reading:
6 h 23 min
